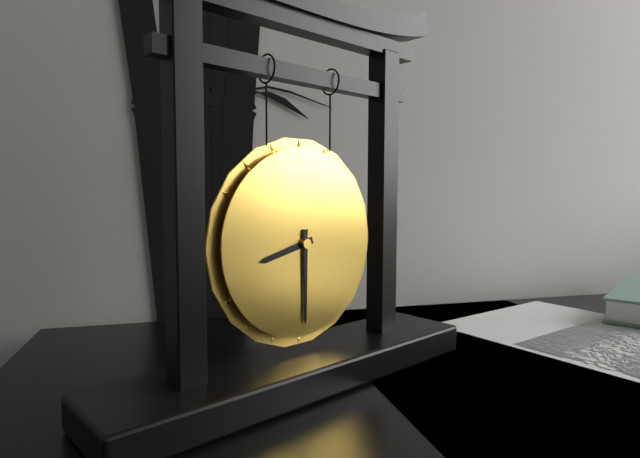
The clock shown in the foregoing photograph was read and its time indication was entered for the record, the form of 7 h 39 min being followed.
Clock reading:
8 h 30 min
